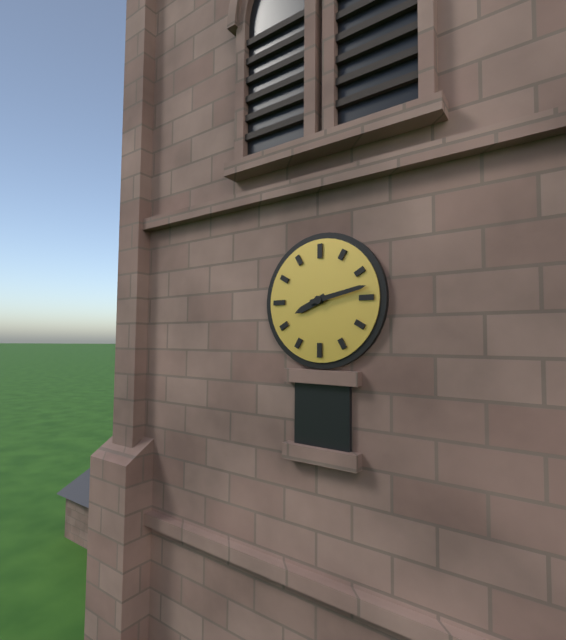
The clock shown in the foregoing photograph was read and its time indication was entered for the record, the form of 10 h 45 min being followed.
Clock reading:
8 h 13 min
